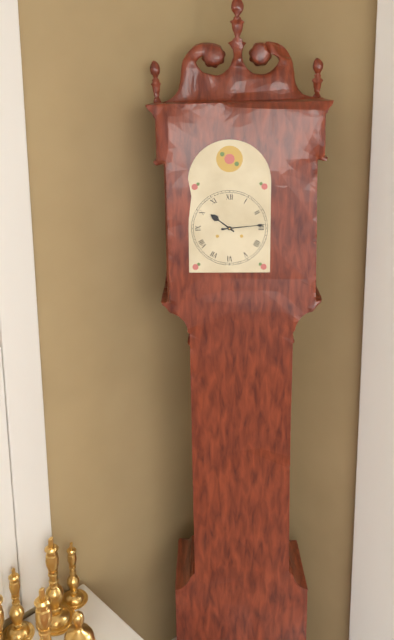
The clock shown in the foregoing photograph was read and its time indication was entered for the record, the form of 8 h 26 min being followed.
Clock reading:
10 h 14 min
